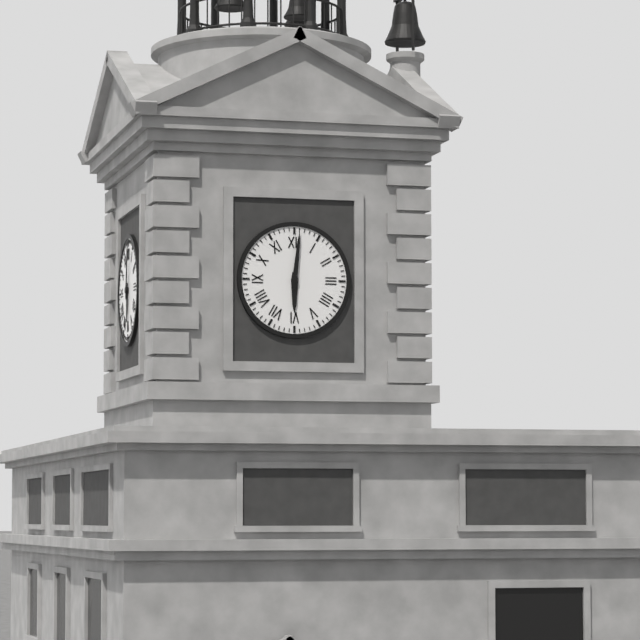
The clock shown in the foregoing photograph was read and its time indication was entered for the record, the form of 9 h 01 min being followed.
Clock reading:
6 h 01 min
